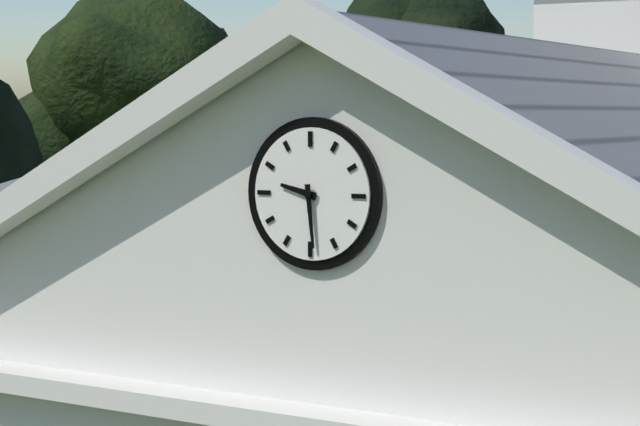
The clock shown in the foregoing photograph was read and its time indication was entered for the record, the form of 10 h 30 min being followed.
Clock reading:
9 h 29 min
